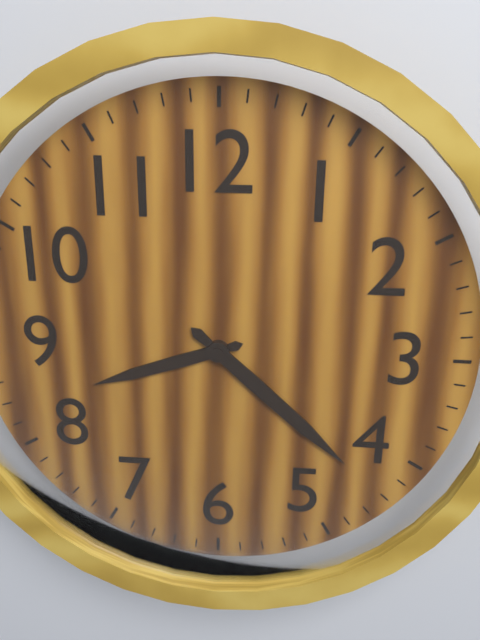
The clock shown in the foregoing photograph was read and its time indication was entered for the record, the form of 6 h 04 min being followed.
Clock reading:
8 h 22 min
